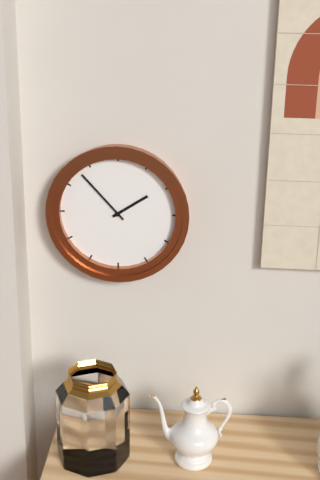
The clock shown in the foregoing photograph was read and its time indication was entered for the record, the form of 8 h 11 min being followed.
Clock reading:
1 h 53 min
